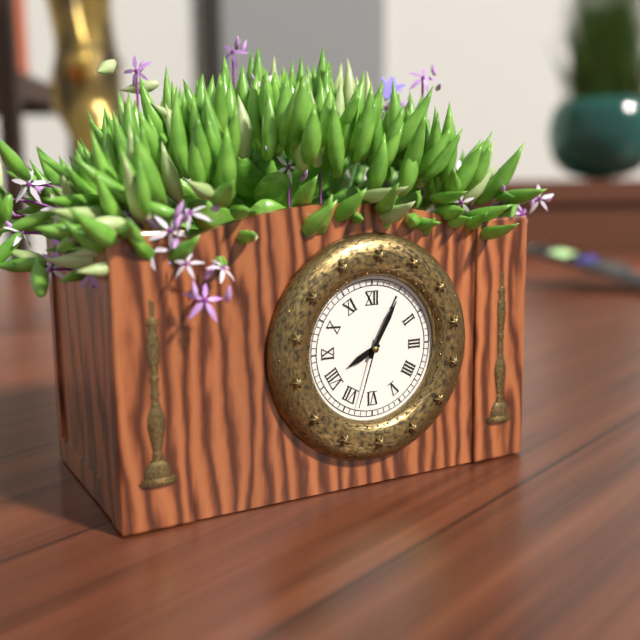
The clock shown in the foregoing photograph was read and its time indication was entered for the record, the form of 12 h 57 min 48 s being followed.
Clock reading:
8 h 05 min 33 s
